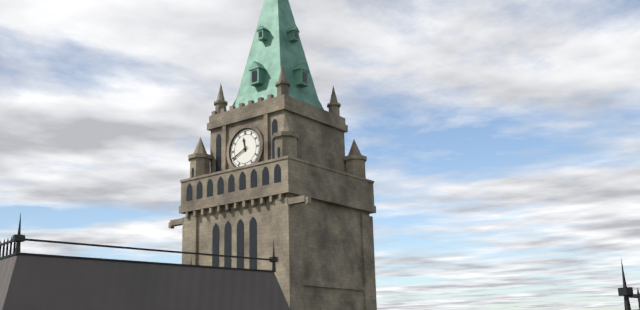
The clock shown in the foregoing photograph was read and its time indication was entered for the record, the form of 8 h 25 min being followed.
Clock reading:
11 h 41 min
